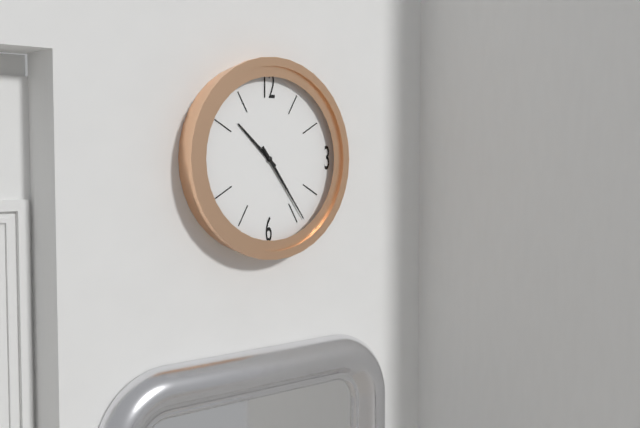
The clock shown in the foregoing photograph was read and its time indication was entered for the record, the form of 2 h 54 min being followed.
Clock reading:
10 h 24 min
